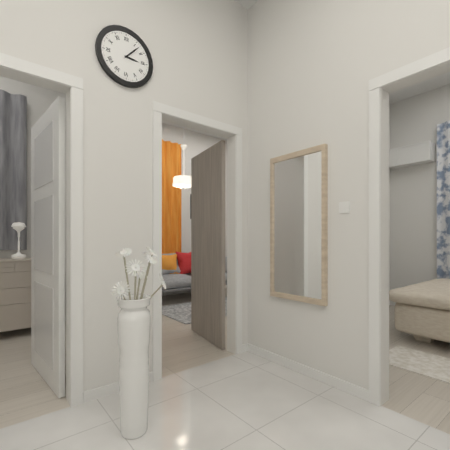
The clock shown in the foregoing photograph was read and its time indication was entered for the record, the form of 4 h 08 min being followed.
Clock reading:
3 h 07 min
